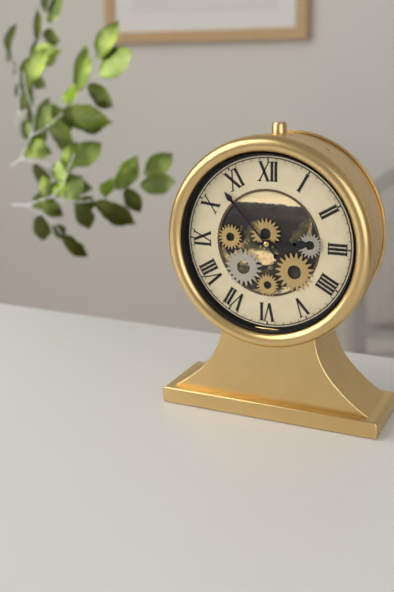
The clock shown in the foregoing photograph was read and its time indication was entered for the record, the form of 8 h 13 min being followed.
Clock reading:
2 h 53 min
